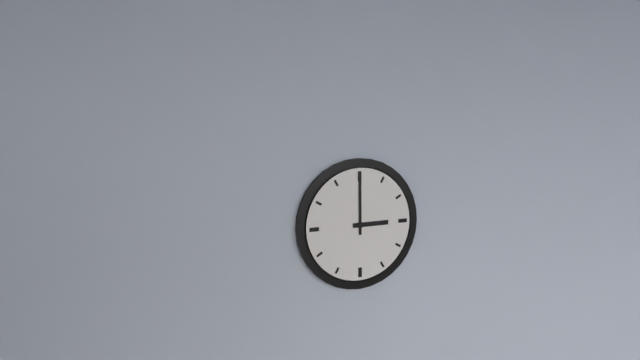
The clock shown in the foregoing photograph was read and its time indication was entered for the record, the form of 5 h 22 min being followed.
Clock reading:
3 h 00 min
